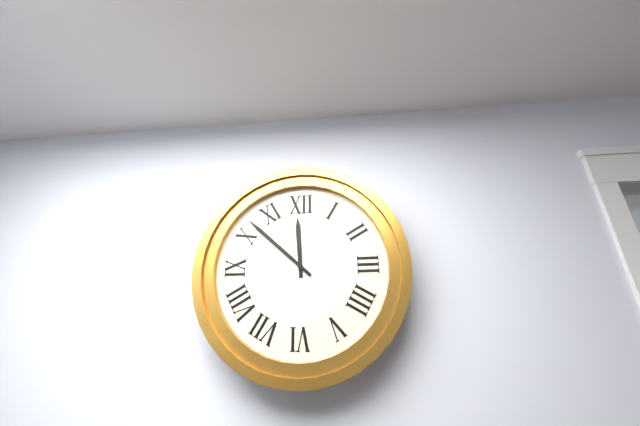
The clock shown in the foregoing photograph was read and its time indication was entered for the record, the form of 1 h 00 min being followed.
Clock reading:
11 h 52 min
